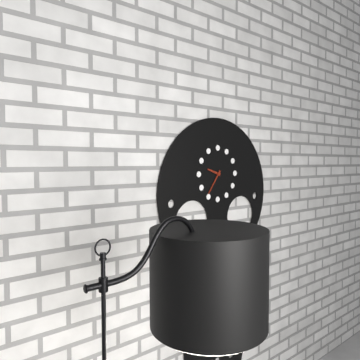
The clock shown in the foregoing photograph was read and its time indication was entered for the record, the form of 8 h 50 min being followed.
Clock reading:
9 h 36 min
